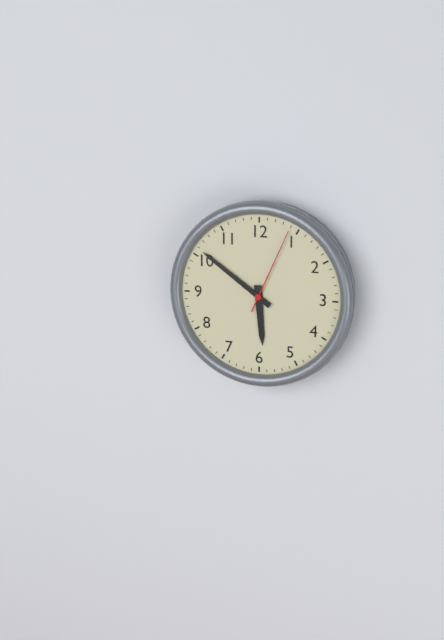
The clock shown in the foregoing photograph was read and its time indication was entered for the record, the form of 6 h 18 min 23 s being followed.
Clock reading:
5 h 51 min 04 s
